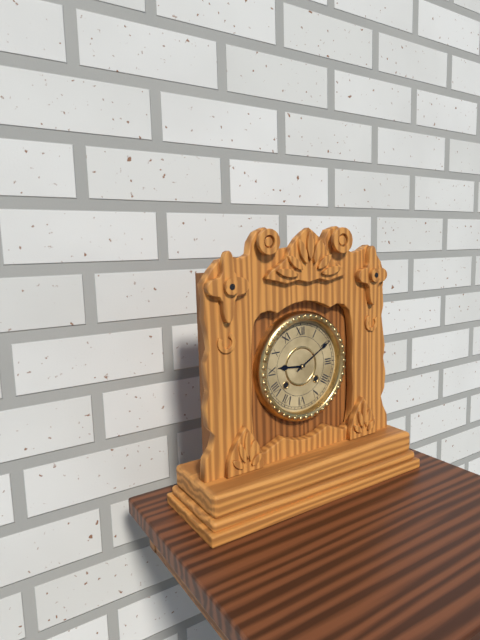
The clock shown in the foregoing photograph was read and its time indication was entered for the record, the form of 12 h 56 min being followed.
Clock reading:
9 h 10 min
